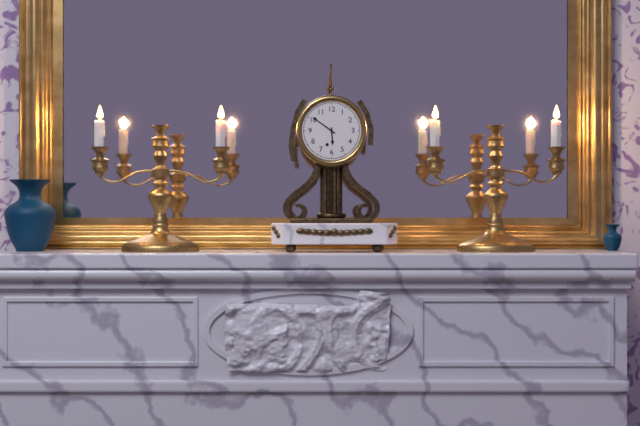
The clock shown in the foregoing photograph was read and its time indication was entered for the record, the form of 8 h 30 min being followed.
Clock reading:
5 h 51 min
